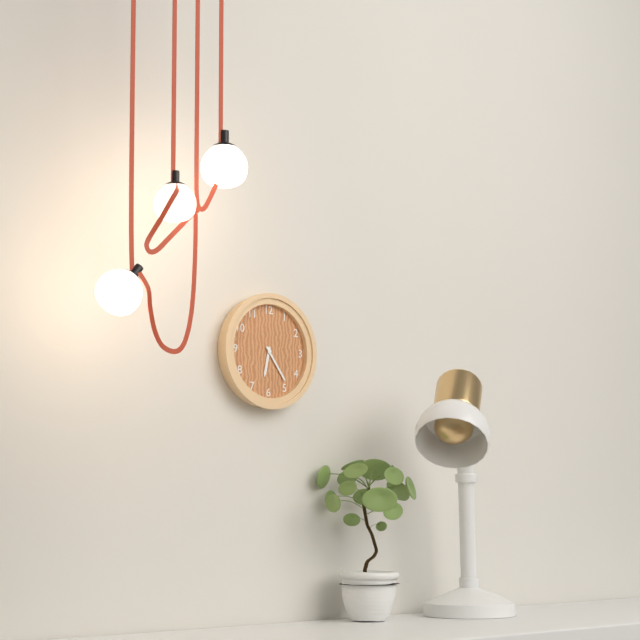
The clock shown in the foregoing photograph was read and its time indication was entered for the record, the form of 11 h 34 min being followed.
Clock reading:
6 h 24 min
